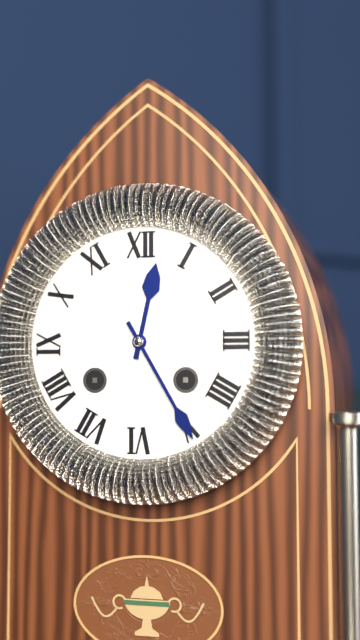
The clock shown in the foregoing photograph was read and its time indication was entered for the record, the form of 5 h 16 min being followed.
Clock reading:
12 h 25 min
